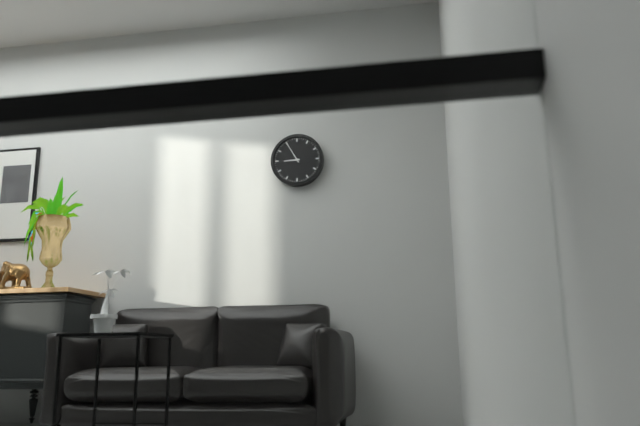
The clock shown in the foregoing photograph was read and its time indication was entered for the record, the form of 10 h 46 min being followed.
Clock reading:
8 h 55 min
